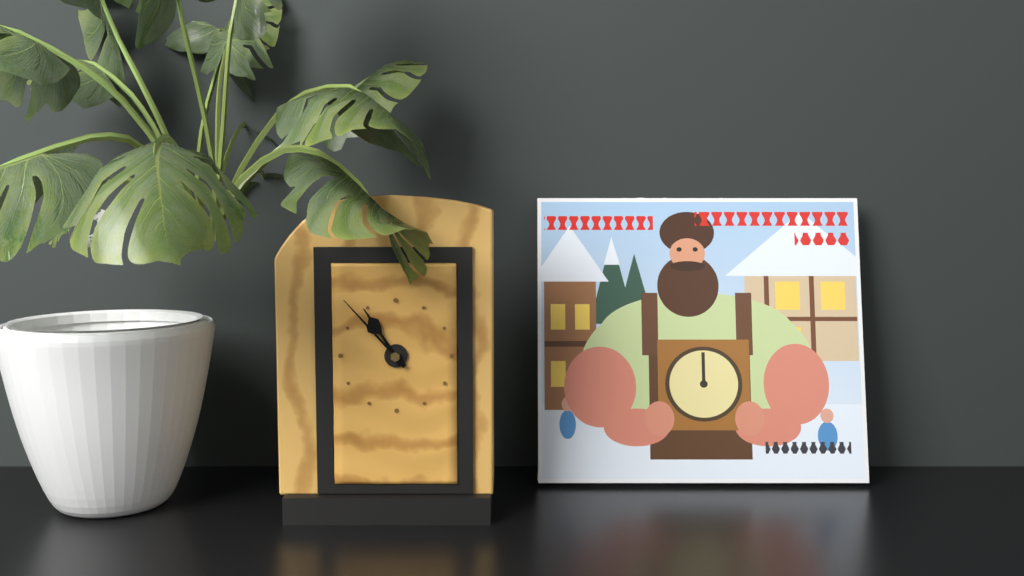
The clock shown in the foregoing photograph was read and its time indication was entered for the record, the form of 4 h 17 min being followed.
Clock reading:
10 h 53 min
